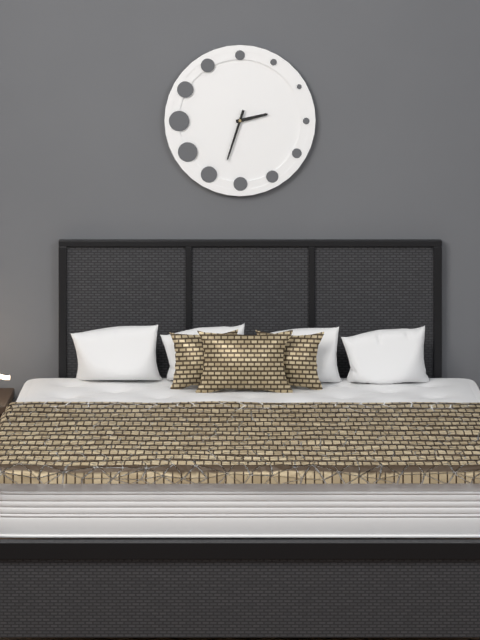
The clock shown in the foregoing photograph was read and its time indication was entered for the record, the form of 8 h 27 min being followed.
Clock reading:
2 h 33 min
